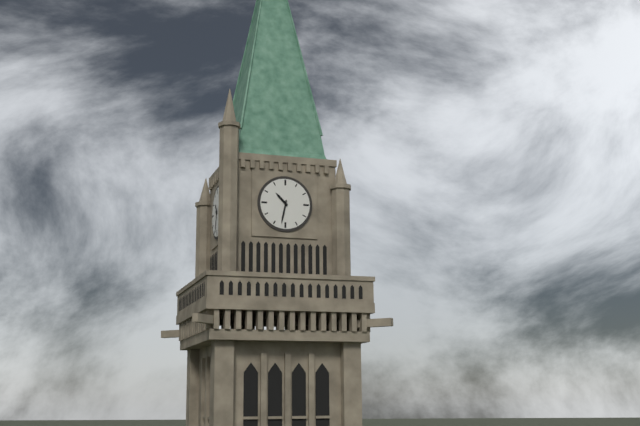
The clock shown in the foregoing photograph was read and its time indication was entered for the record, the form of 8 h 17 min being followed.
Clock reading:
10 h 32 min
